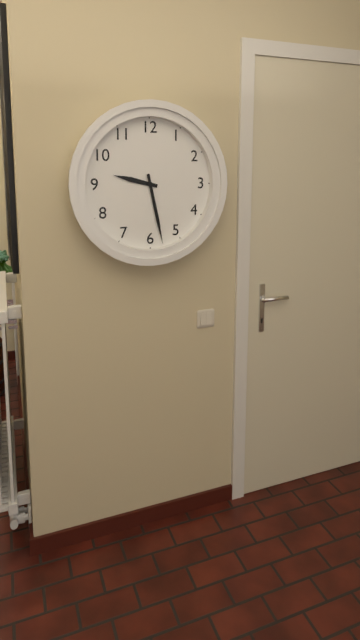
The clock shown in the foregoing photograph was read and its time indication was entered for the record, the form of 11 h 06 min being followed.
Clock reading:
9 h 28 min
